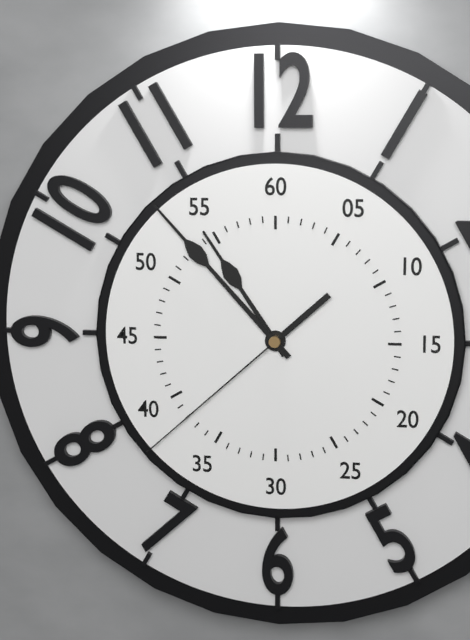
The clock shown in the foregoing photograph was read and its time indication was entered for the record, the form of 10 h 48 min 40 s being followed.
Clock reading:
10 h 53 min 38 s
